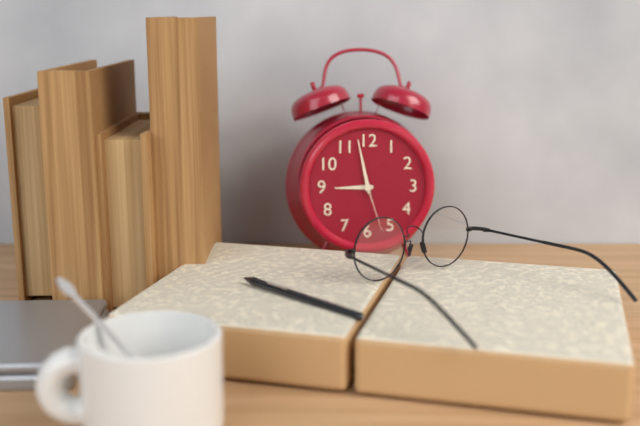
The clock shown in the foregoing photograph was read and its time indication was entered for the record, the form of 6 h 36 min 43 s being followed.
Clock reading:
8 h 58 min 27 s
